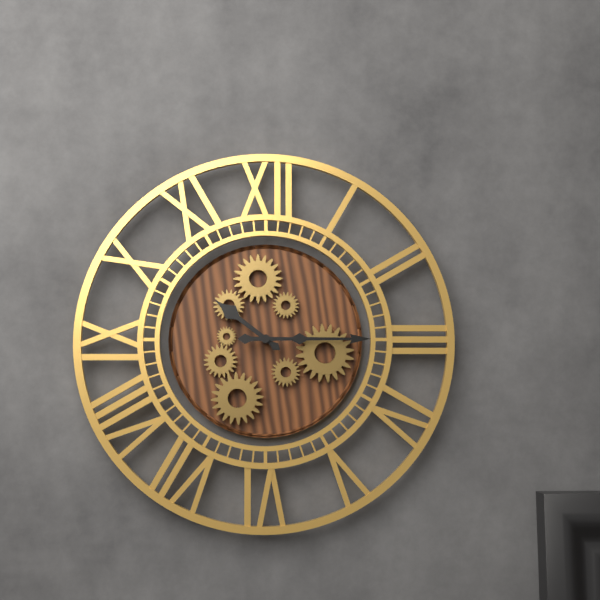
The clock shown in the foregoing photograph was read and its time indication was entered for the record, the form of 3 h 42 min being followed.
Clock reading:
10 h 15 min
